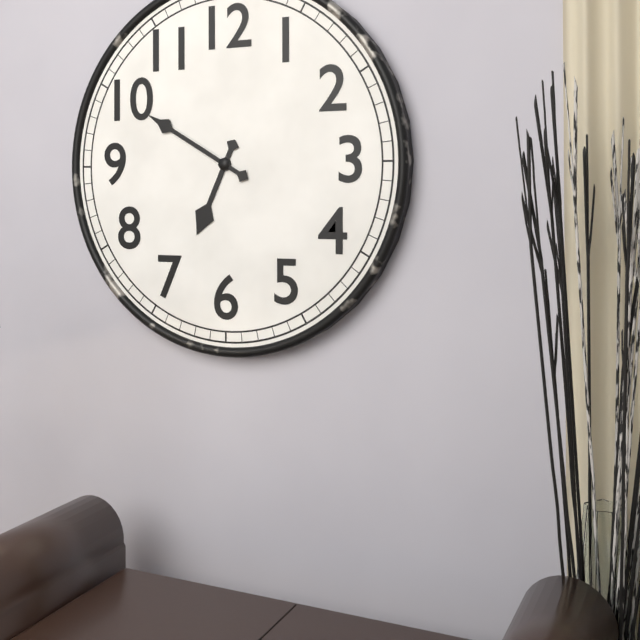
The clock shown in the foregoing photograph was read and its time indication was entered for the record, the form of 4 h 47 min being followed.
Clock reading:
6 h 50 min
